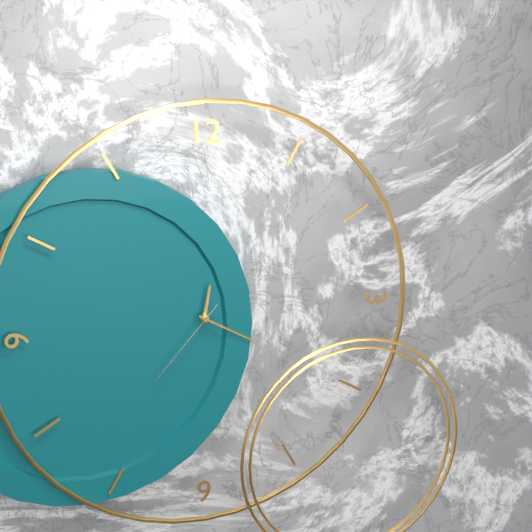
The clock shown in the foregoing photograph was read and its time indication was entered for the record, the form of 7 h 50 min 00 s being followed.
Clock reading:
12 h 20 min 37 s
